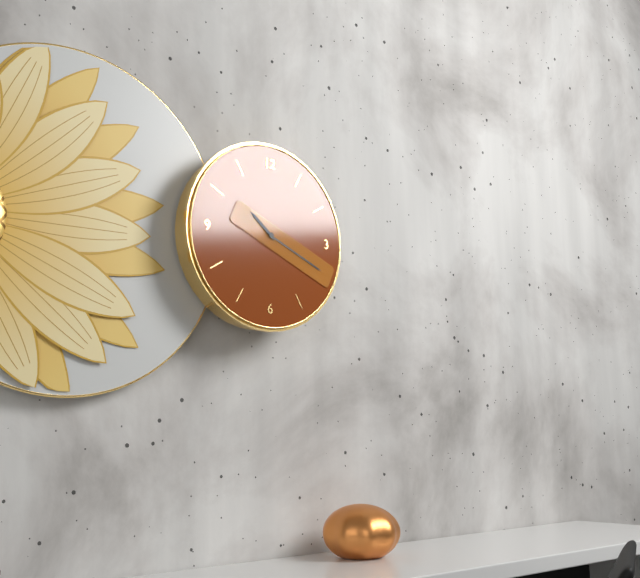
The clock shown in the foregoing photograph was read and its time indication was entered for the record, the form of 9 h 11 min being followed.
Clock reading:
10 h 19 min
